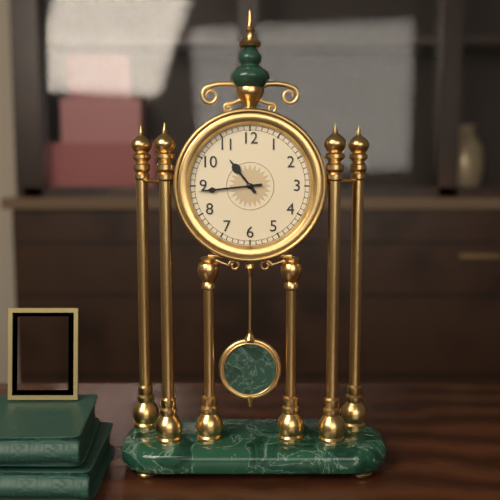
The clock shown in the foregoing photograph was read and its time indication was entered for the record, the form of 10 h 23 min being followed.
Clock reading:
10 h 44 min
